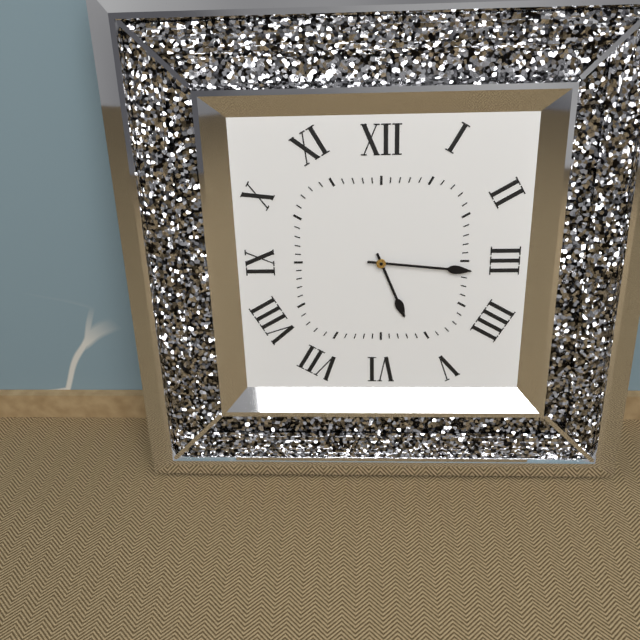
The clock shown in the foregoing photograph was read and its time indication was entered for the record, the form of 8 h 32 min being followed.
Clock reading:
5 h 16 min
